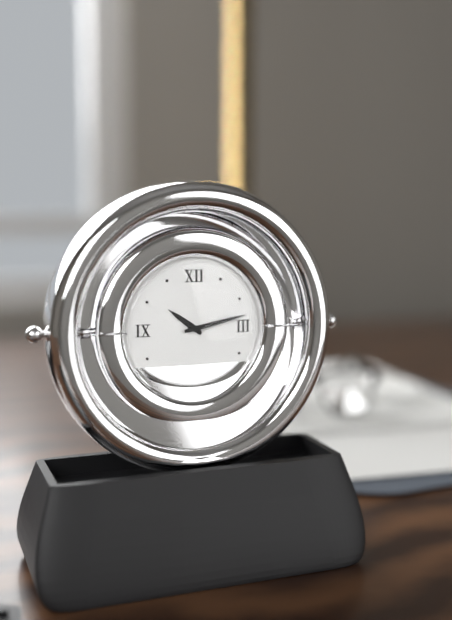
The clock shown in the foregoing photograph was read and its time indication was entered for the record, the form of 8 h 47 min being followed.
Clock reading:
10 h 13 min
